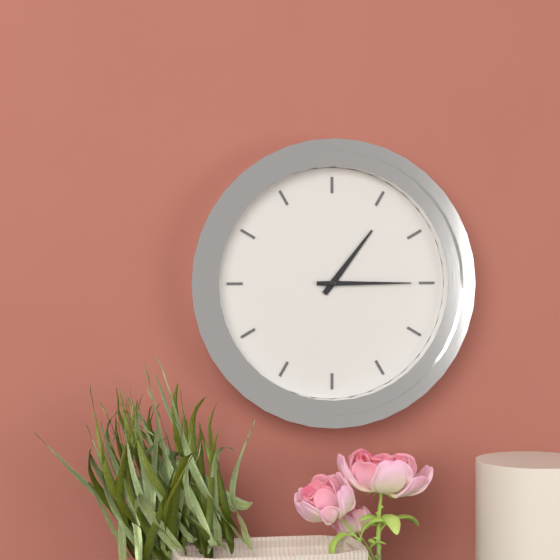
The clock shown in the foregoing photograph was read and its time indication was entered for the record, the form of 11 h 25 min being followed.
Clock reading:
1 h 15 min
